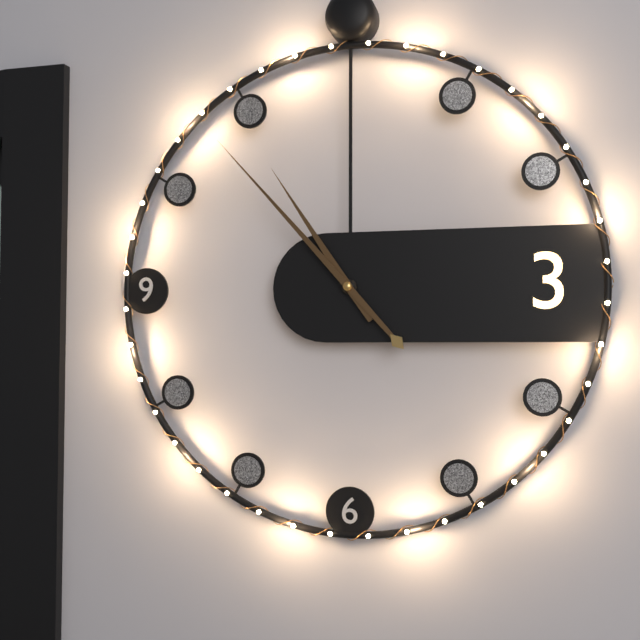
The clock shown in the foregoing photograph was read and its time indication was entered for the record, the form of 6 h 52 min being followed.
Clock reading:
10 h 53 min
